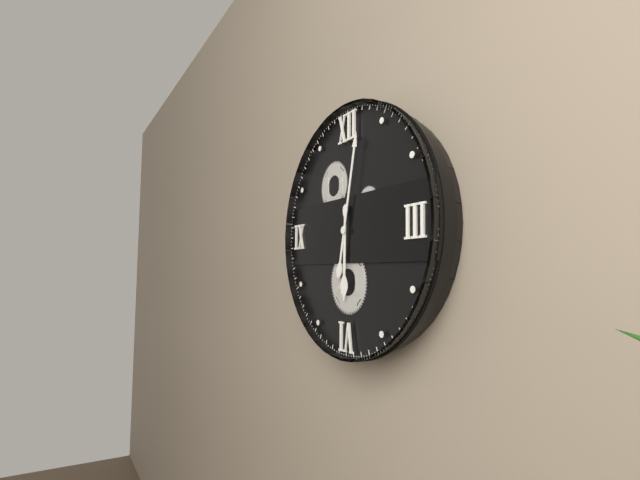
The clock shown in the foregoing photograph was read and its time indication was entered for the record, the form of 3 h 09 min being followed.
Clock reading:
6 h 02 min
